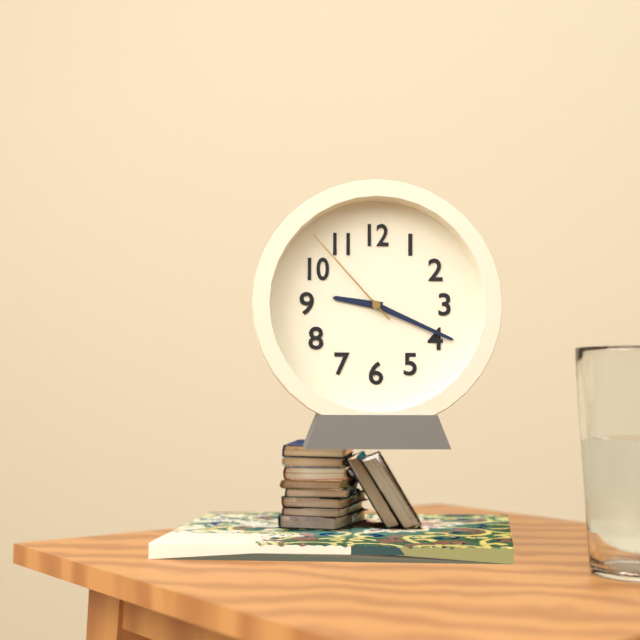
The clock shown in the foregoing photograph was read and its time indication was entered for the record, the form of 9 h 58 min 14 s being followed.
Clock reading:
9 h 19 min 53 s
